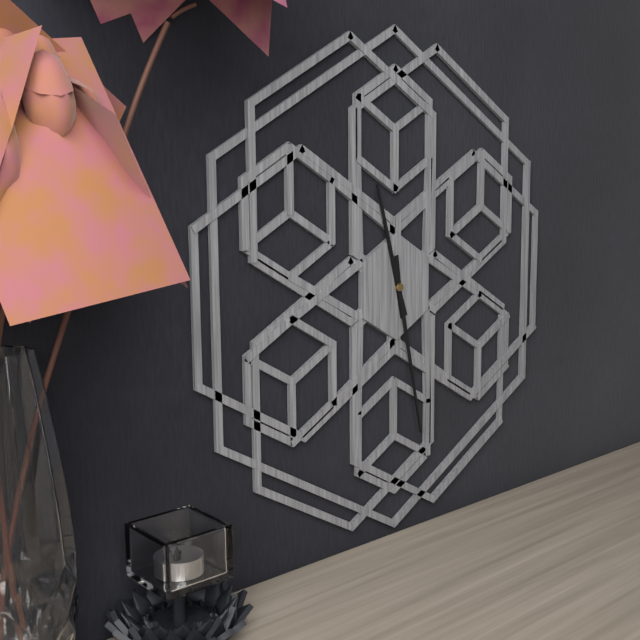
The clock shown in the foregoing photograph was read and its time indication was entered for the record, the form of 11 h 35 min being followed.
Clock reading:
11 h 28 min
